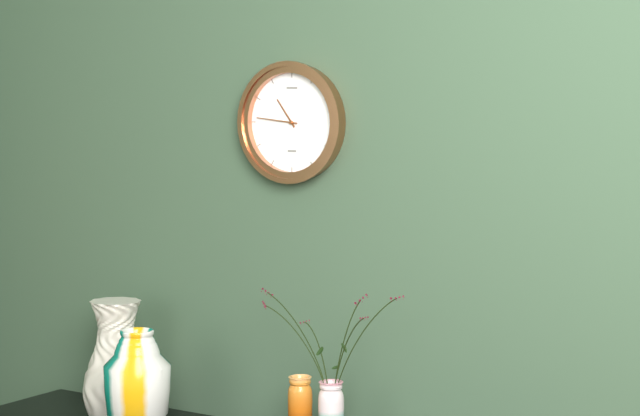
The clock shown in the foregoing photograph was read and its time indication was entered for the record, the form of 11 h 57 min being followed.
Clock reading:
10 h 46 min
